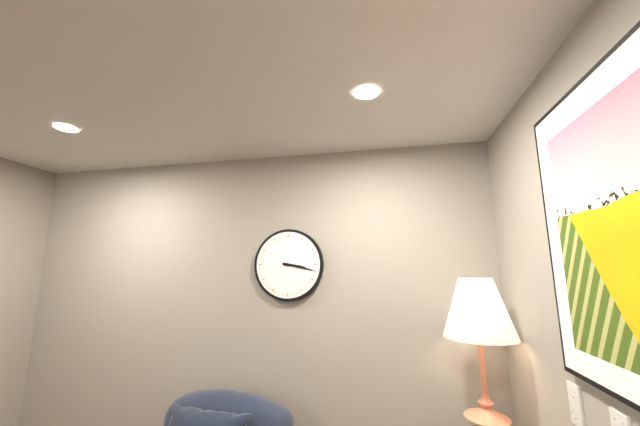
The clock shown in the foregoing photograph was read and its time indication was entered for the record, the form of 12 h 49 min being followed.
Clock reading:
3 h 17 min
